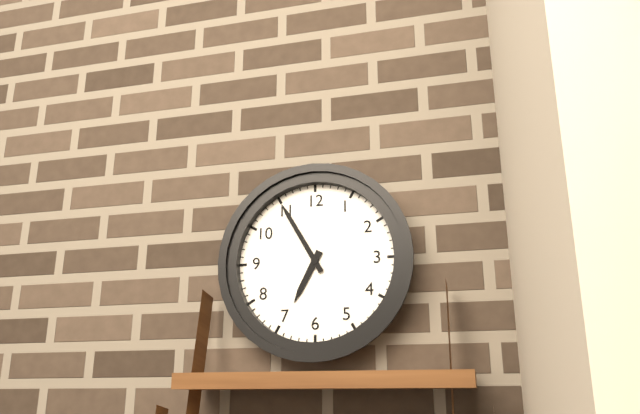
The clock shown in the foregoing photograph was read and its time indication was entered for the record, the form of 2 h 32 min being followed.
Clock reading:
6 h 55 min
